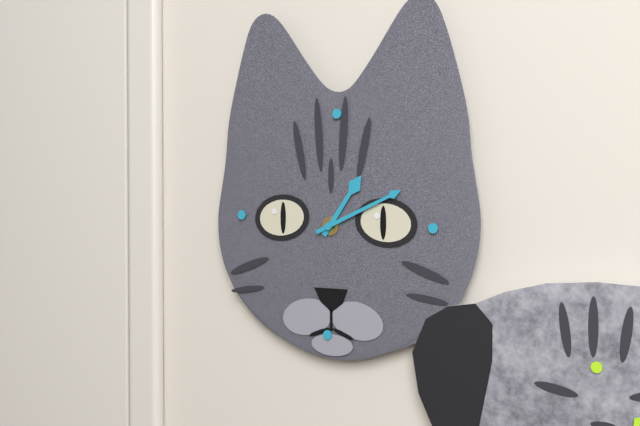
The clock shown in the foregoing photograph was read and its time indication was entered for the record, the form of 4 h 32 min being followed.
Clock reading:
1 h 11 min
